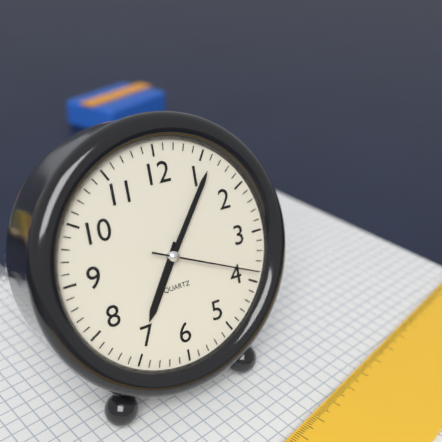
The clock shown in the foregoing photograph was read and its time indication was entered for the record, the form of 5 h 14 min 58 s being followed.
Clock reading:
7 h 06 min 19 s
